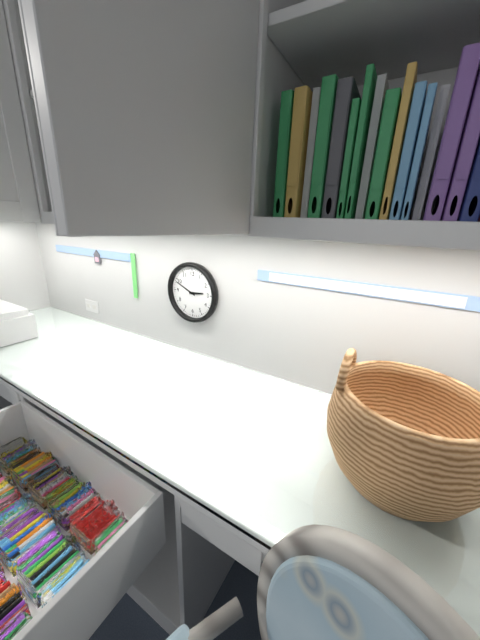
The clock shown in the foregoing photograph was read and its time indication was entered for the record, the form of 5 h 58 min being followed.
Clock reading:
2 h 49 min
